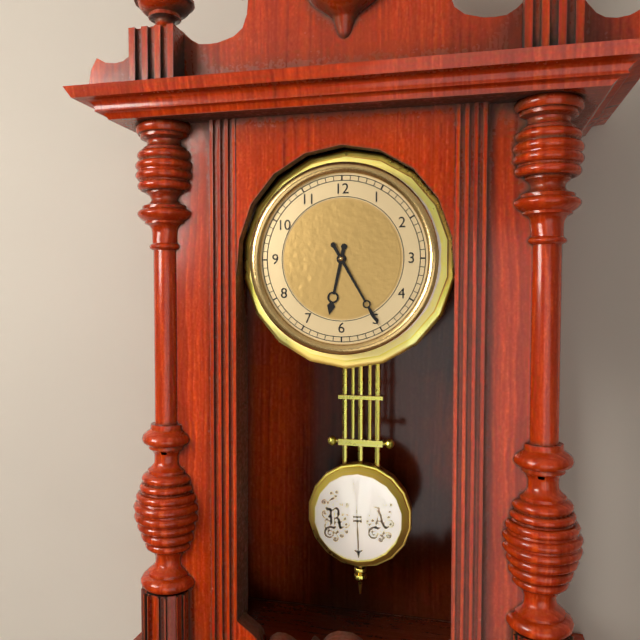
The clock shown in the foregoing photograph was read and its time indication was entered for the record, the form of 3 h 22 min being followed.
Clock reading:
6 h 25 min
